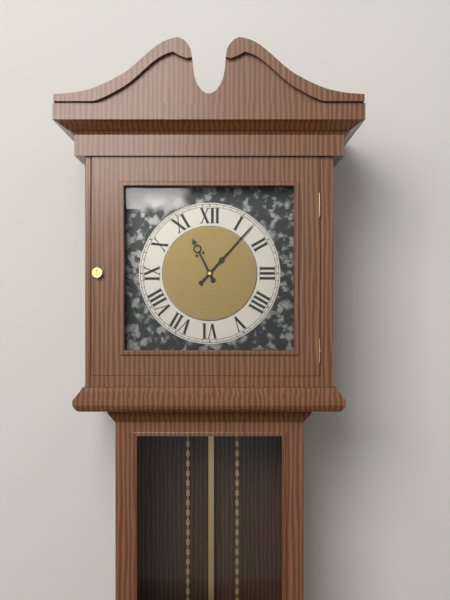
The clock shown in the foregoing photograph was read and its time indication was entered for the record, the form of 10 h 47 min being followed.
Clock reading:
11 h 07 min
